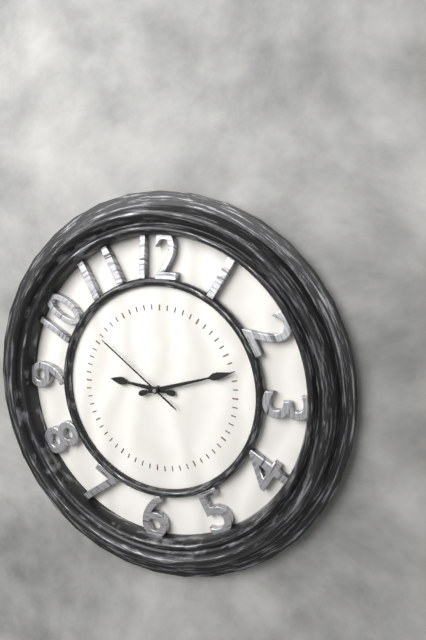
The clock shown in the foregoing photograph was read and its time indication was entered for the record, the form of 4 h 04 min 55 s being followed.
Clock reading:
9 h 12 min 51 s
